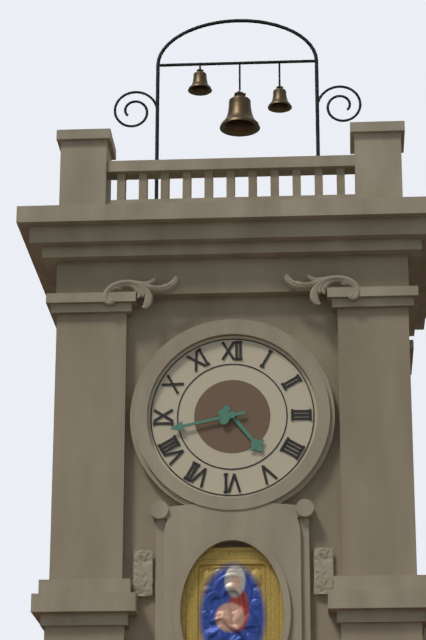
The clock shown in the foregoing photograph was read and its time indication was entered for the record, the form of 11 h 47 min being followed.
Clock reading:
4 h 43 min
